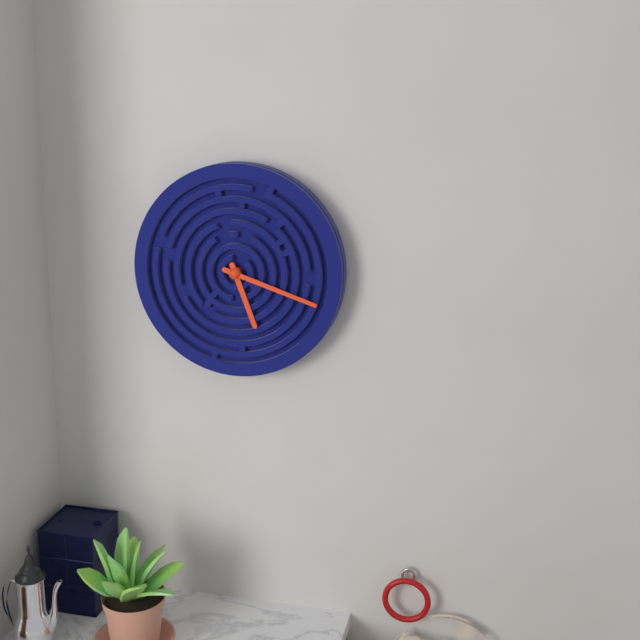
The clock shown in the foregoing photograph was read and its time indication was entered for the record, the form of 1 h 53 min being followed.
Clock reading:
5 h 18 min
